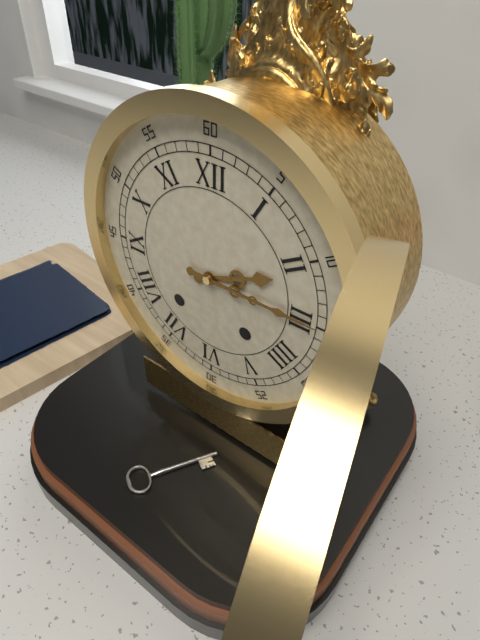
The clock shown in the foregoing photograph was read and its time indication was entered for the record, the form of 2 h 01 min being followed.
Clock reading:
2 h 15 min
